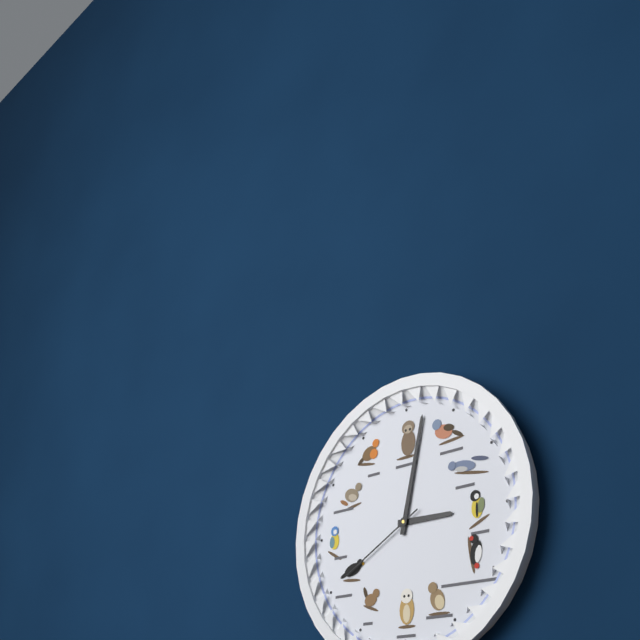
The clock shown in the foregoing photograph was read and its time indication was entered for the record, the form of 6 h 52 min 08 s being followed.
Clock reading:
3 h 02 min 40 s
